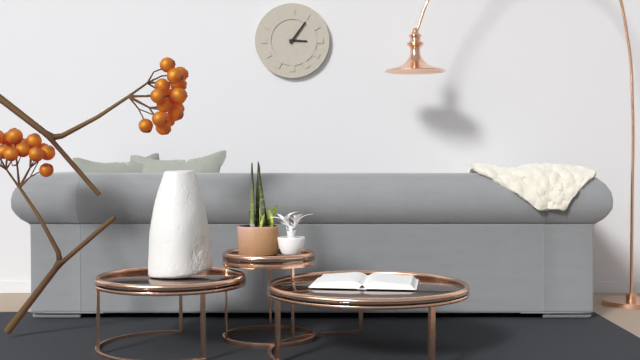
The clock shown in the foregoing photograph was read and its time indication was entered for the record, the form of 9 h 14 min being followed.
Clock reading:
3 h 06 min
